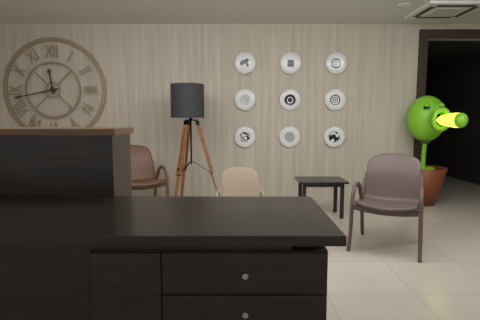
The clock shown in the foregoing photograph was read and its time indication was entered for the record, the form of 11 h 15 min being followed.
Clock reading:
11 h 43 min
